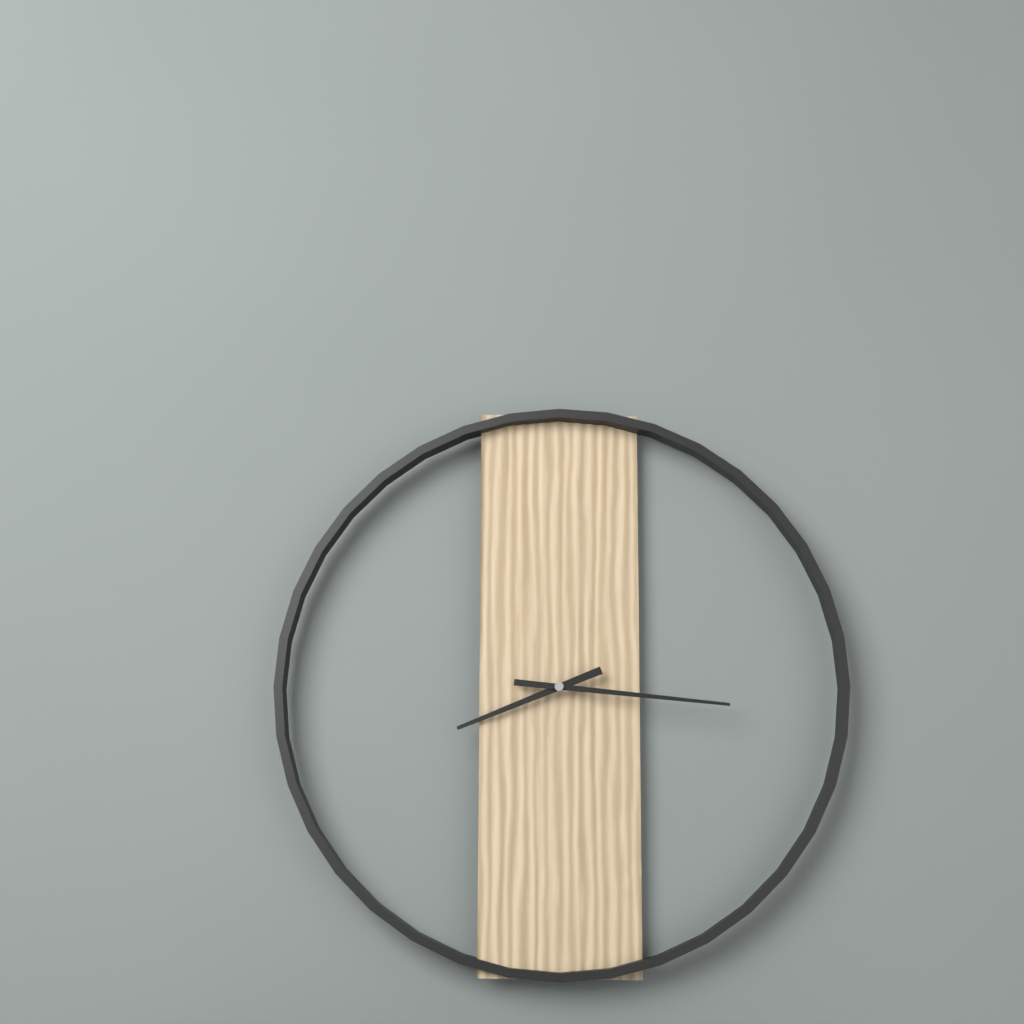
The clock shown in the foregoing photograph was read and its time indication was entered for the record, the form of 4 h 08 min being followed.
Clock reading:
8 h 16 min
